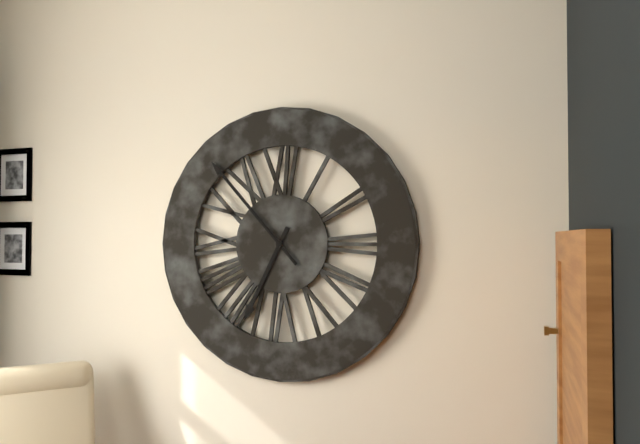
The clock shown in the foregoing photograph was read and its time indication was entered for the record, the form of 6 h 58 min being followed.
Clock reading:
6 h 53 min
